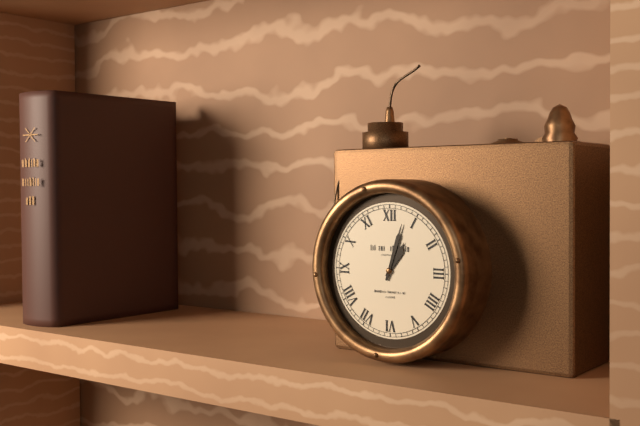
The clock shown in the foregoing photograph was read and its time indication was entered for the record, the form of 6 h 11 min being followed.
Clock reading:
1 h 03 min
